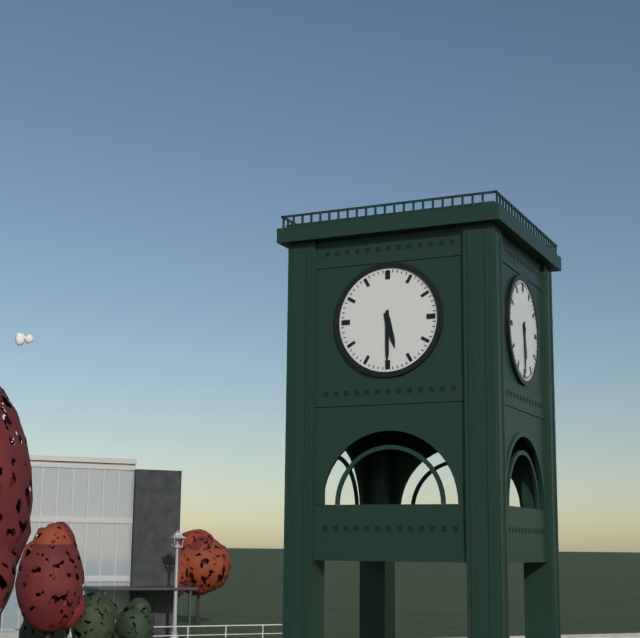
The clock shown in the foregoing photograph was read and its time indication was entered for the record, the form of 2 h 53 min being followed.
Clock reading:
5 h 30 min
